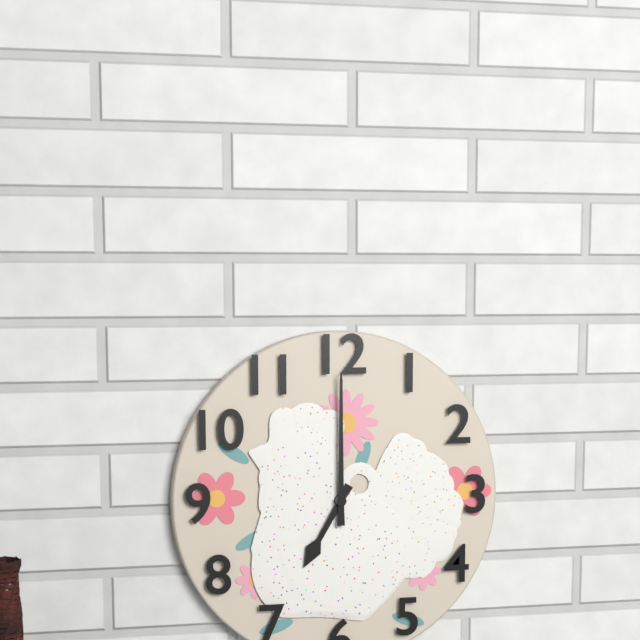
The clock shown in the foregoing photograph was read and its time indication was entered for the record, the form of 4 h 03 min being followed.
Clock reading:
7 h 00 min
